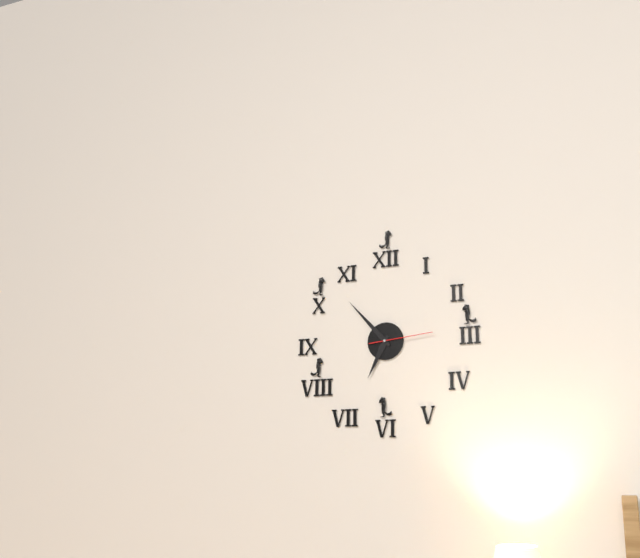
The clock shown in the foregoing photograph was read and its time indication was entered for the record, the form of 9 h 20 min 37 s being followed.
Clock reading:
6 h 53 min 14 s
